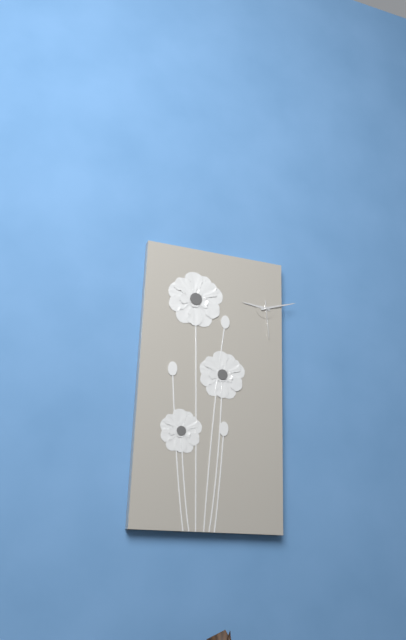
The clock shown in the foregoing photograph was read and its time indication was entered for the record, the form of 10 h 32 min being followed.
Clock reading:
9 h 12 min
